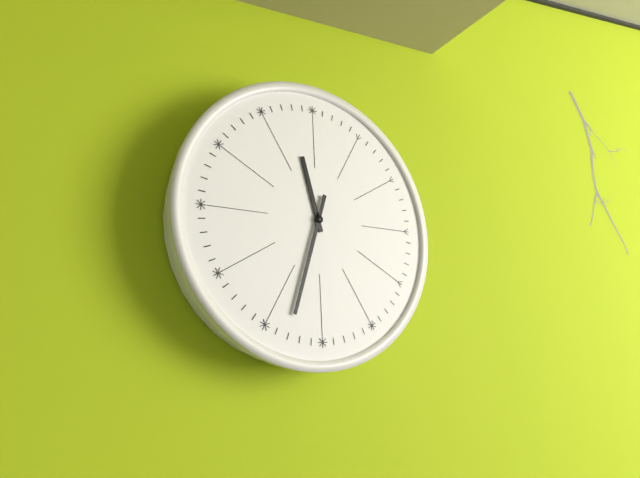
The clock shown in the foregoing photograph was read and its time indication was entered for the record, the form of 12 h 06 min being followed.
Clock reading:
11 h 33 min
